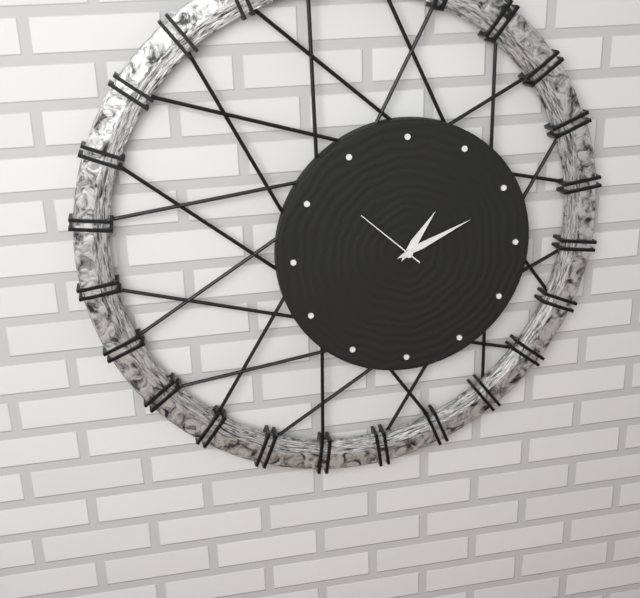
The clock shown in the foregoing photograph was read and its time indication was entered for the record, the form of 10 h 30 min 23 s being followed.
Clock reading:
1 h 11 min 52 s
